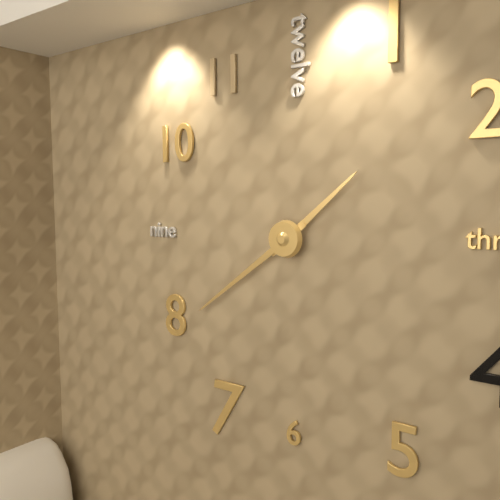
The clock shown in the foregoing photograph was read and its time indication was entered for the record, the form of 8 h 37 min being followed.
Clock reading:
1 h 39 min
